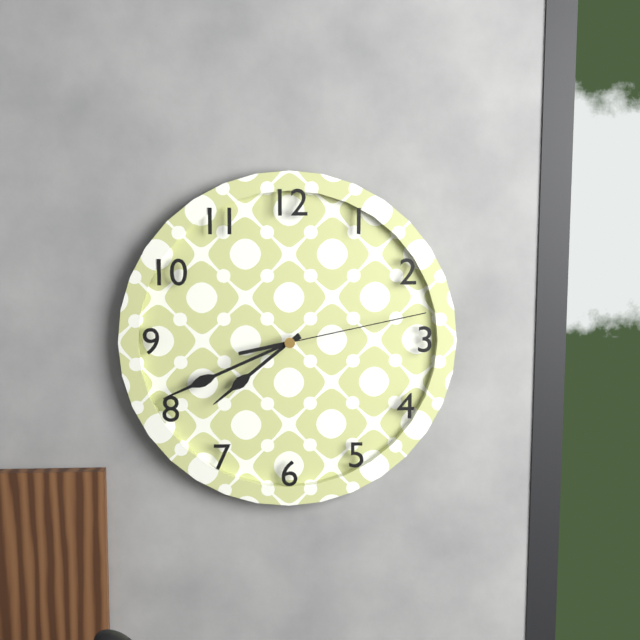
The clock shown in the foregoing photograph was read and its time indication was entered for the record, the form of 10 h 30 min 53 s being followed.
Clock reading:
7 h 41 min 13 s
